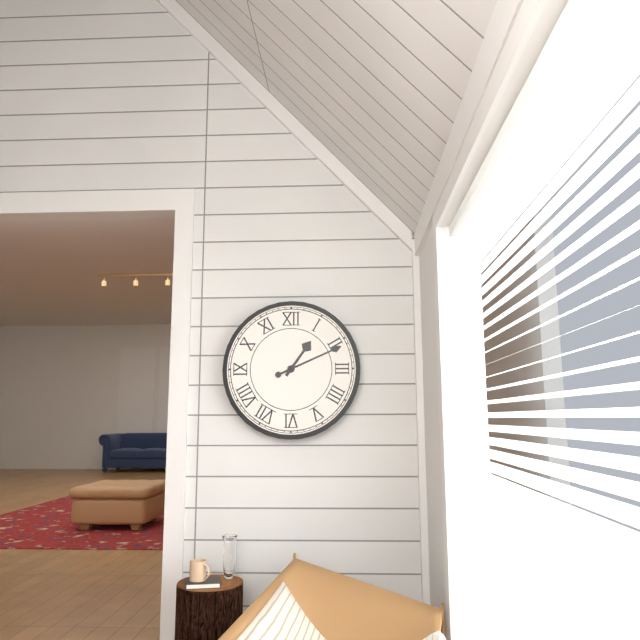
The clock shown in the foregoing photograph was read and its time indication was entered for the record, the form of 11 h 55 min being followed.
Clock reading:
1 h 11 min
